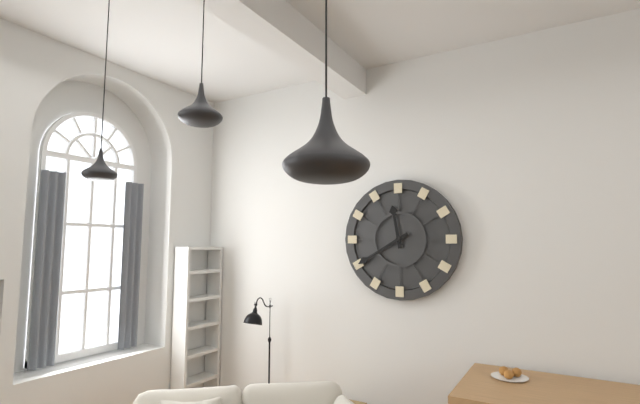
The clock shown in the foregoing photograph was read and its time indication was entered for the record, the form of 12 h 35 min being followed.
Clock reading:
11 h 40 min
